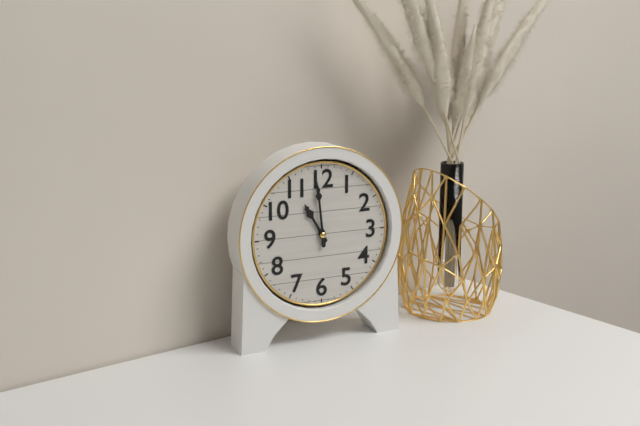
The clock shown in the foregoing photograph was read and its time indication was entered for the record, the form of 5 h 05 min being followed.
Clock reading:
10 h 59 min
